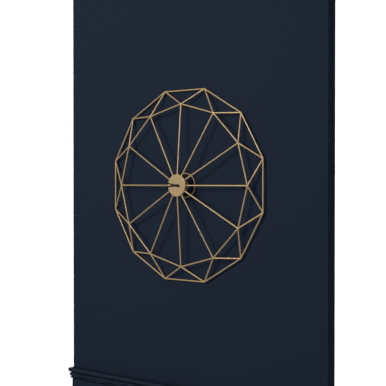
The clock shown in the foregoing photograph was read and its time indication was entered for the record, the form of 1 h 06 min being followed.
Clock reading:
8 h 47 min
